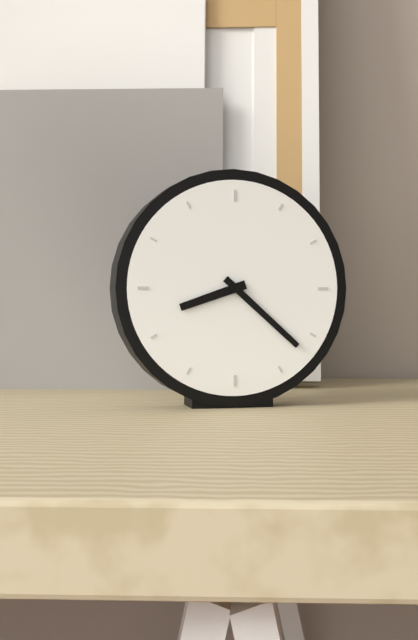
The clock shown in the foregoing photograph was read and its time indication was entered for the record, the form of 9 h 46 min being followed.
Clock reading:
8 h 22 min
